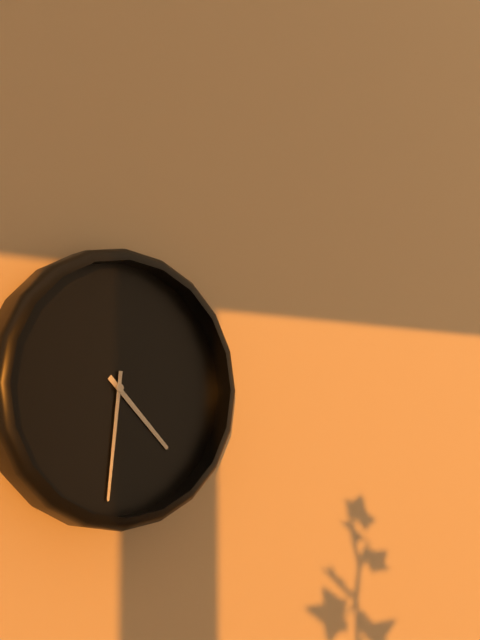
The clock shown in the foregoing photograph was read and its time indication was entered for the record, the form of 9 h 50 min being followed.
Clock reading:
4 h 31 min
